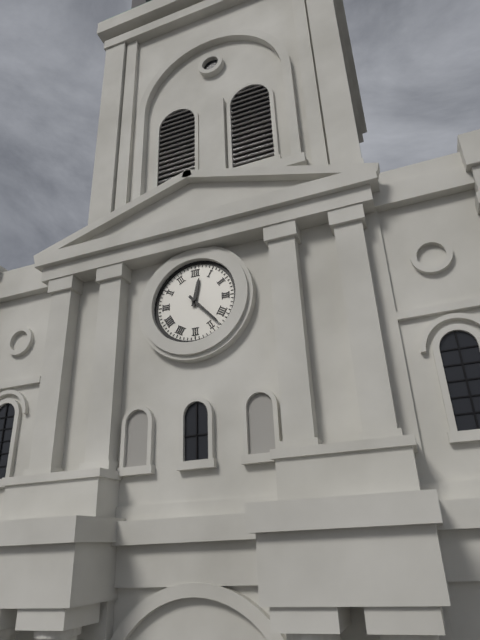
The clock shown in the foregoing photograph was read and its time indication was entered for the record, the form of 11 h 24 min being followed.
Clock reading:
12 h 23 min
